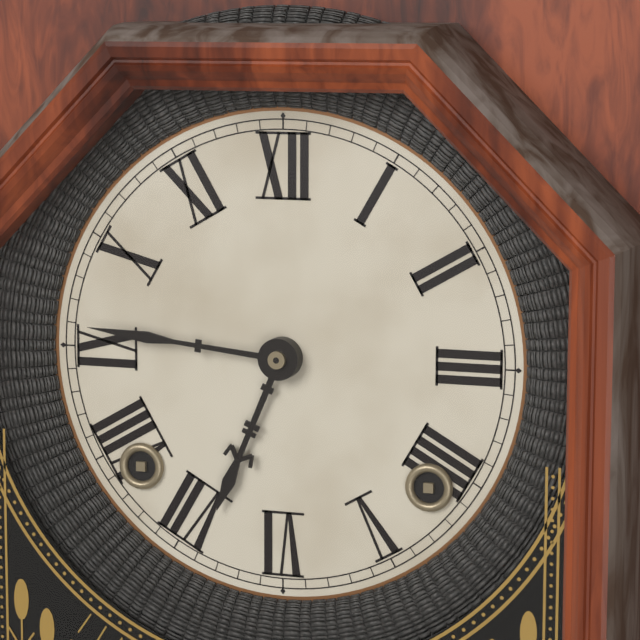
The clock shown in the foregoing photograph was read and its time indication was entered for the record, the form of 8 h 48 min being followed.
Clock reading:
6 h 46 min
